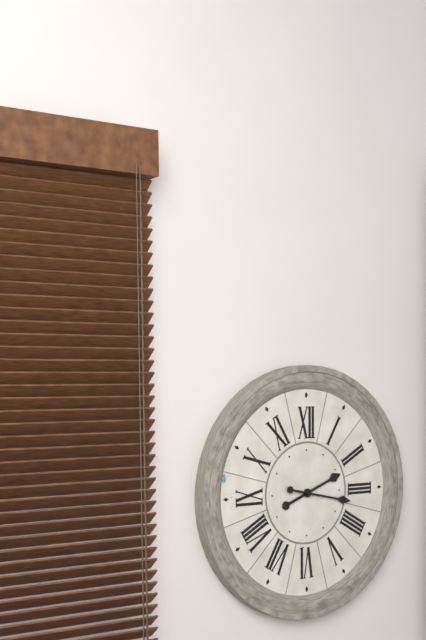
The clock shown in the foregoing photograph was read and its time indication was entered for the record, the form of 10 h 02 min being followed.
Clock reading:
2 h 17 min
